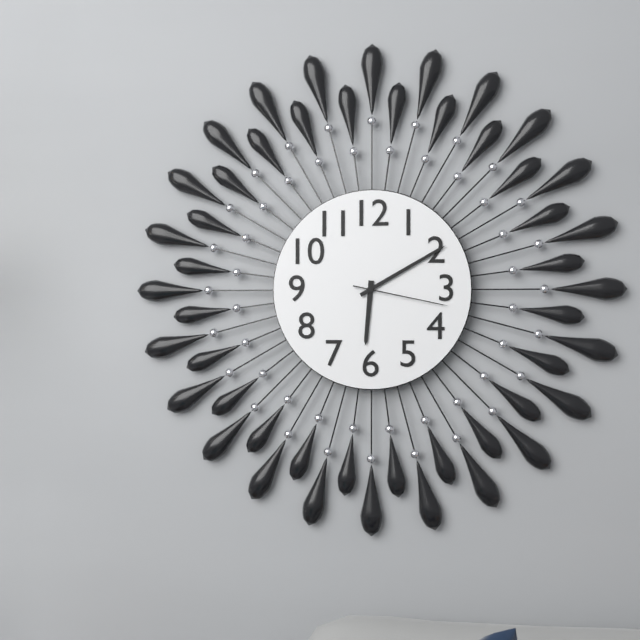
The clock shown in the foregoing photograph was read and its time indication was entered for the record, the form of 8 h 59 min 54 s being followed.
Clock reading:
6 h 10 min 17 s
